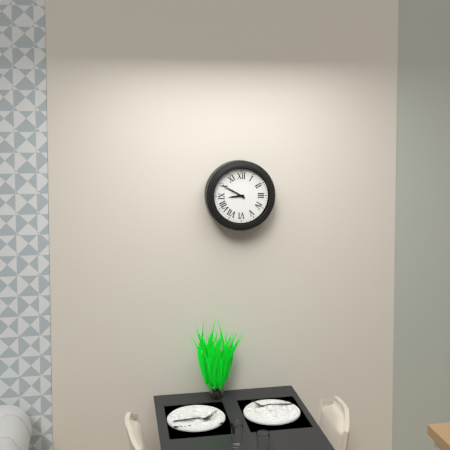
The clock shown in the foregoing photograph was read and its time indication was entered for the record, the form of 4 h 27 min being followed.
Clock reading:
8 h 50 min
